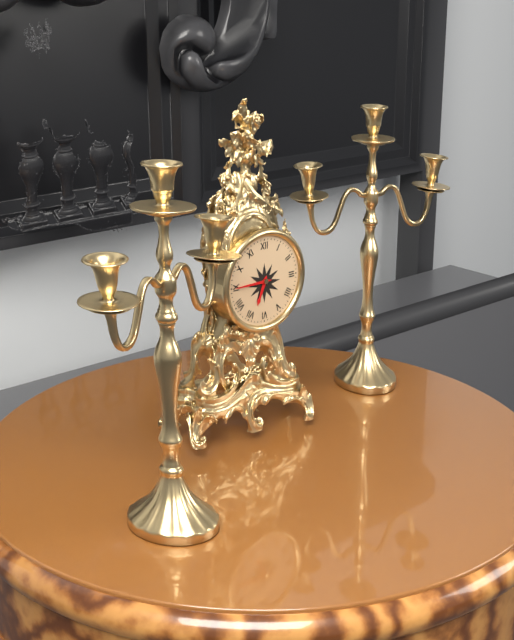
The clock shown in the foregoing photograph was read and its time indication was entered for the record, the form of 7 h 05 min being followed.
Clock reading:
6 h 45 min
